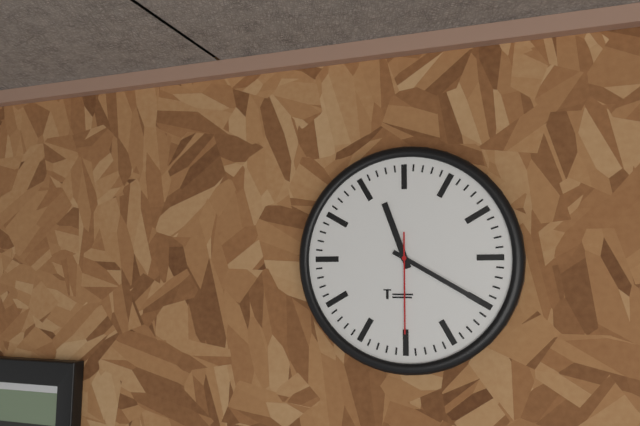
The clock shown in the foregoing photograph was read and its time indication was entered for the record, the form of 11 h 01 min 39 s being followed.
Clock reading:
11 h 20 min 30 s
